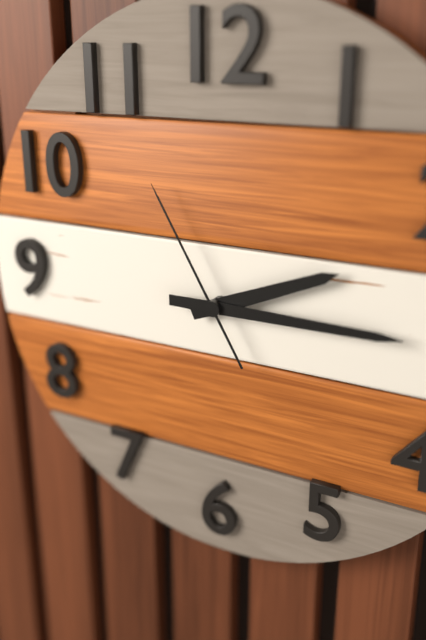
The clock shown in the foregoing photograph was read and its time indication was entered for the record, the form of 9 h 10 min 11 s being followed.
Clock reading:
2 h 15 min 55 s
